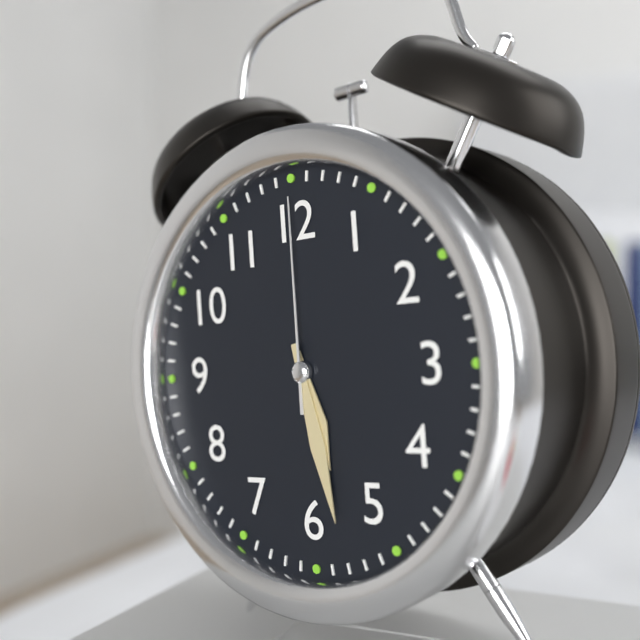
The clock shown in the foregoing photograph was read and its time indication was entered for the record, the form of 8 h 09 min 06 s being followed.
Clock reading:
5 h 28 min 00 s
